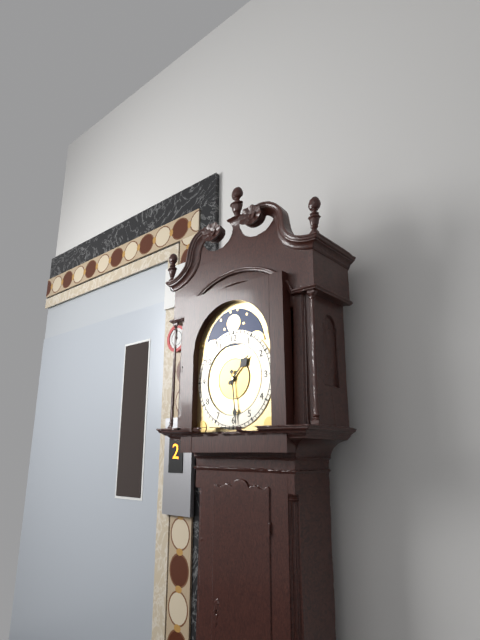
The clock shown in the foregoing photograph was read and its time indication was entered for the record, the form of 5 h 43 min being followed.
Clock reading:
1 h 29 min
